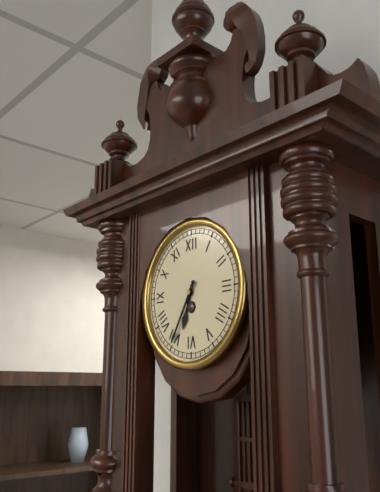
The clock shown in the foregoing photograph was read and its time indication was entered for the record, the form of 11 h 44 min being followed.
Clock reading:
6 h 35 min
